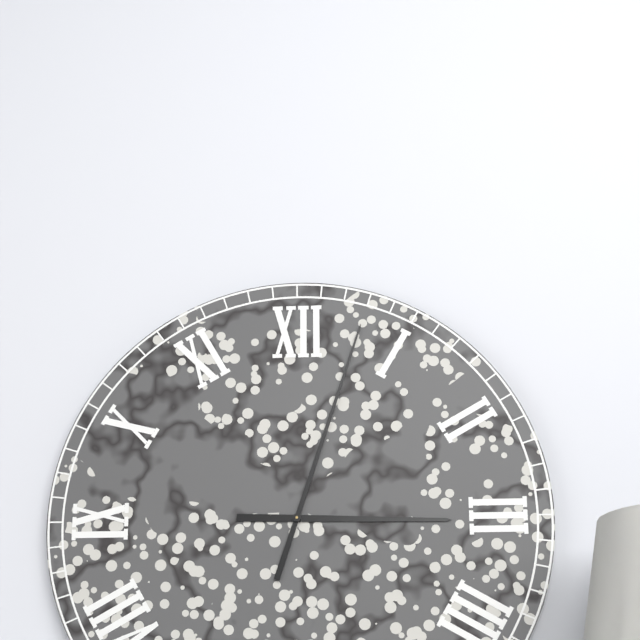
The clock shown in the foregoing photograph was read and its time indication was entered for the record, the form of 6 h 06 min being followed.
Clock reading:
3 h 03 min
